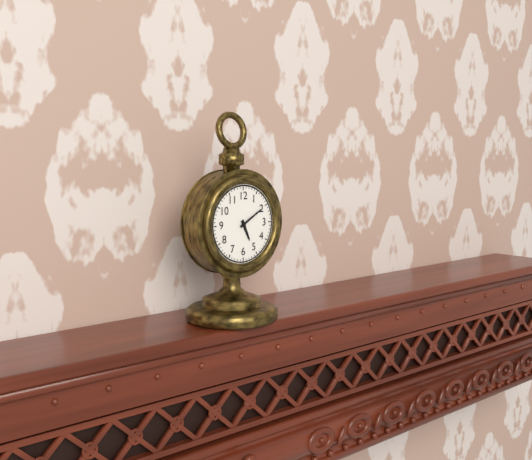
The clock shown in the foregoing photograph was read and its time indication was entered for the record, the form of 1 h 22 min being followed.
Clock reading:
5 h 10 min
